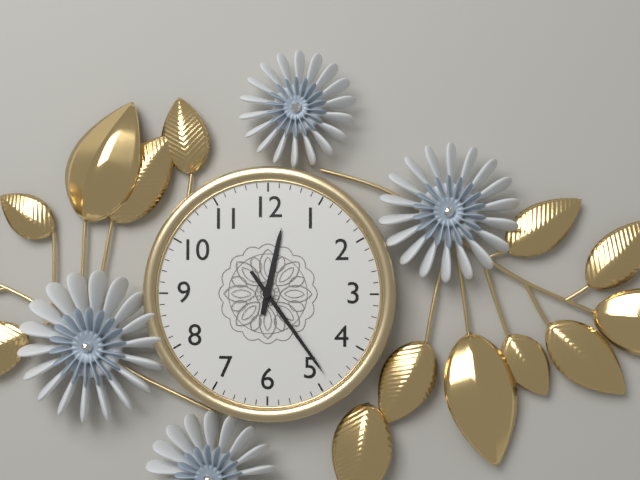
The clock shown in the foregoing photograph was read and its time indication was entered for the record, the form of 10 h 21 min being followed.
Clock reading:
12 h 24 min
